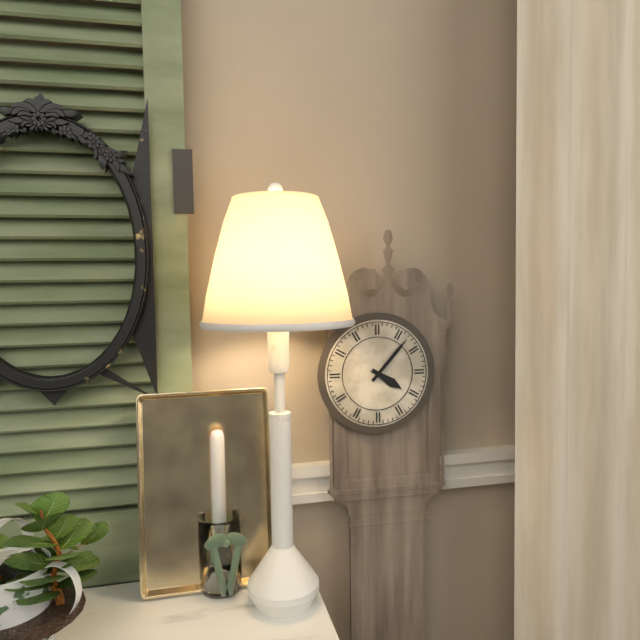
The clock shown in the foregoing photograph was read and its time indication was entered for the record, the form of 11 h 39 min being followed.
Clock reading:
4 h 07 min
